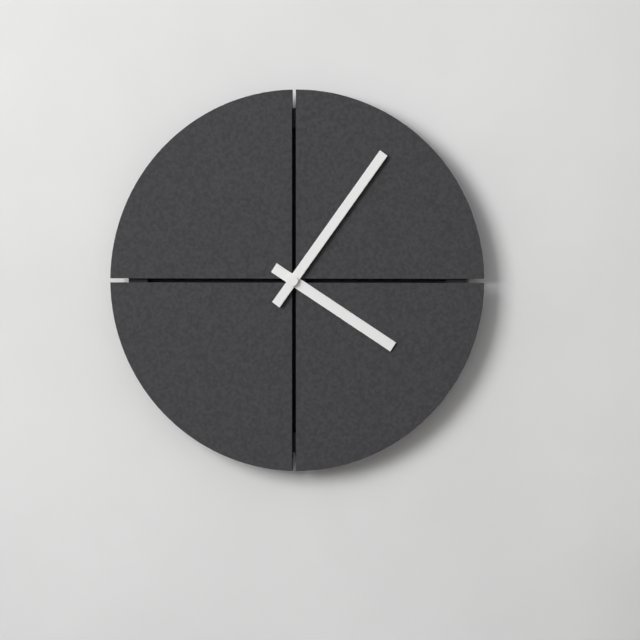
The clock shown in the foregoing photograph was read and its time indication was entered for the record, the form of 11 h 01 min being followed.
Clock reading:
4 h 06 min
